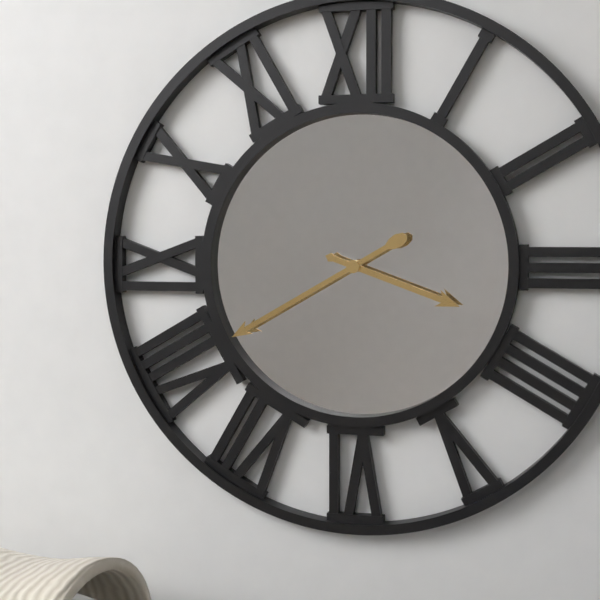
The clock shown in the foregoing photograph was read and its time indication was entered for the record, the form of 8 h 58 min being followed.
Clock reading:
3 h 40 min
